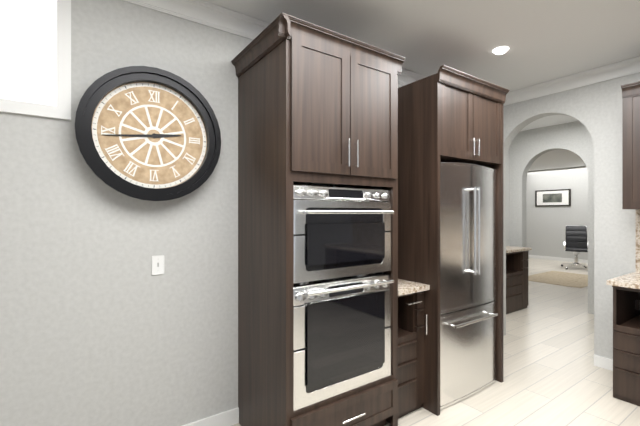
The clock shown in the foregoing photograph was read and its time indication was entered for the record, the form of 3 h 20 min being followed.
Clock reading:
2 h 44 min
